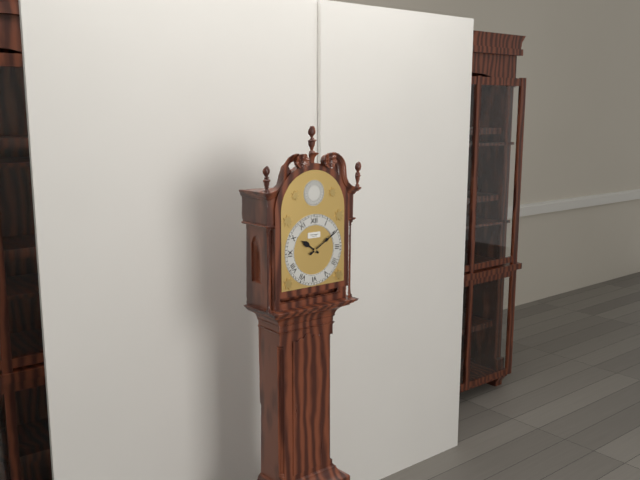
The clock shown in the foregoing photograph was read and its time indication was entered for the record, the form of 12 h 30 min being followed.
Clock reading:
10 h 10 min
